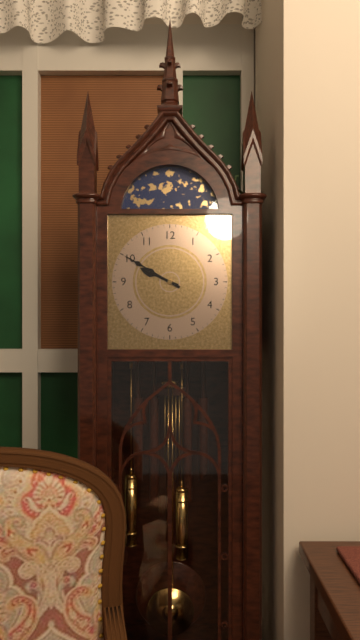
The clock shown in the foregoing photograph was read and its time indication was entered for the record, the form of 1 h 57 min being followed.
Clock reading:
9 h 50 min
